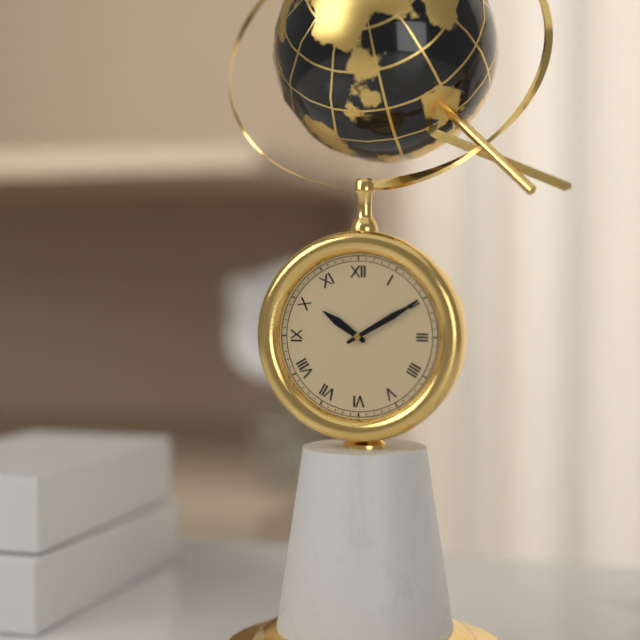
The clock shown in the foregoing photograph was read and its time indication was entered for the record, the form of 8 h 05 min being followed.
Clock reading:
10 h 10 min
